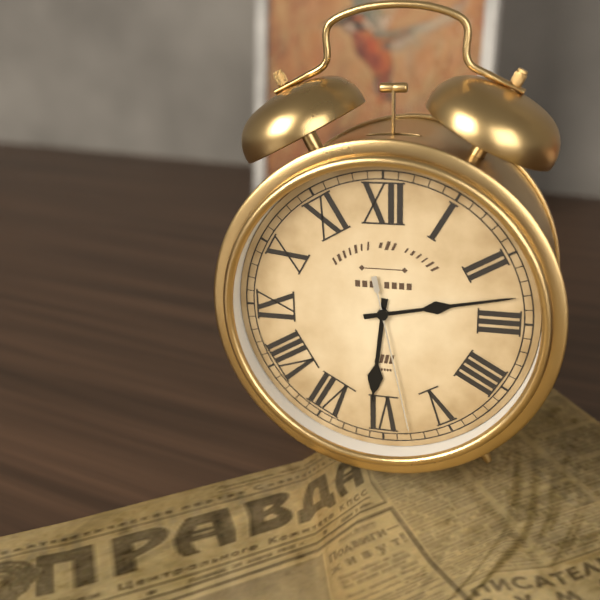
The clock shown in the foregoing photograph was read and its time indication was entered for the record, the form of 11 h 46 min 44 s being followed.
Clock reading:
6 h 13 min 28 s
